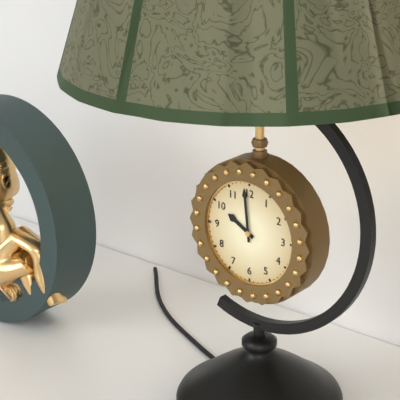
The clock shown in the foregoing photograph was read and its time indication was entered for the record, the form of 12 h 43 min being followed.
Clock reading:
9 h 59 min
